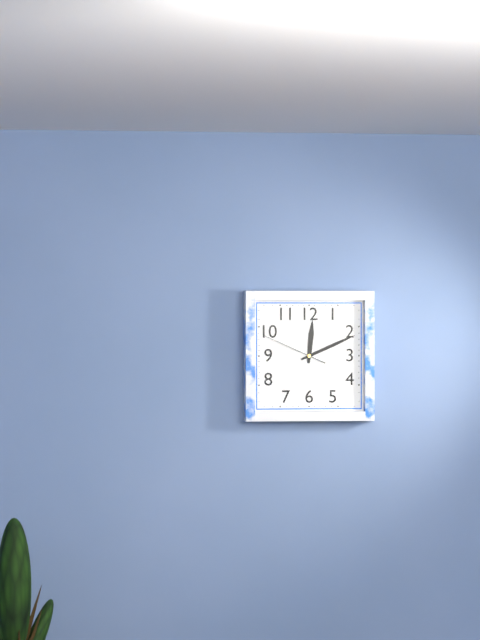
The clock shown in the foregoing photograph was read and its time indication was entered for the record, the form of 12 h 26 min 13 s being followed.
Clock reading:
12 h 11 min 49 s
